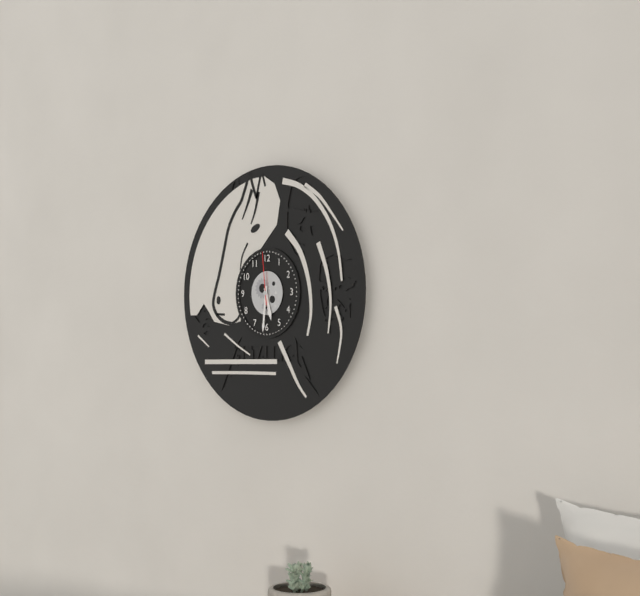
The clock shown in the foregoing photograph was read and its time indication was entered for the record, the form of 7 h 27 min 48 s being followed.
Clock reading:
5 h 31 min 59 s
